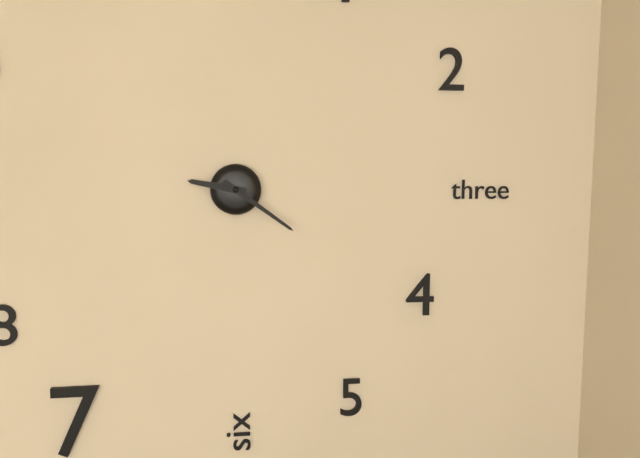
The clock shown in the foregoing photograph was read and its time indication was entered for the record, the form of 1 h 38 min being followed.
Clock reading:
9 h 21 min
